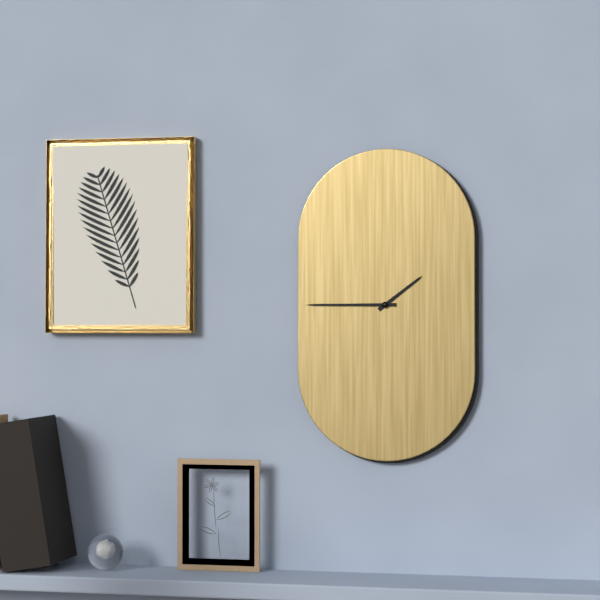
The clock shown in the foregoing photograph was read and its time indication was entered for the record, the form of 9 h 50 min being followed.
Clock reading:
1 h 45 min
